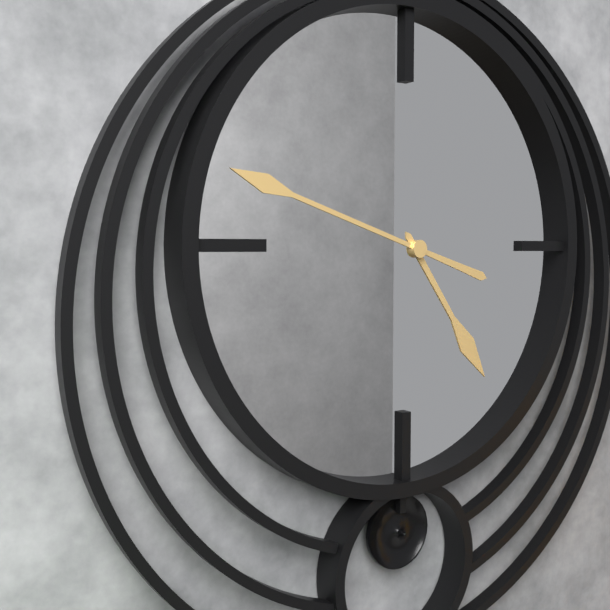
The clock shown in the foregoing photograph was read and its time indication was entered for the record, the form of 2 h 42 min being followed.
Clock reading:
4 h 48 min
